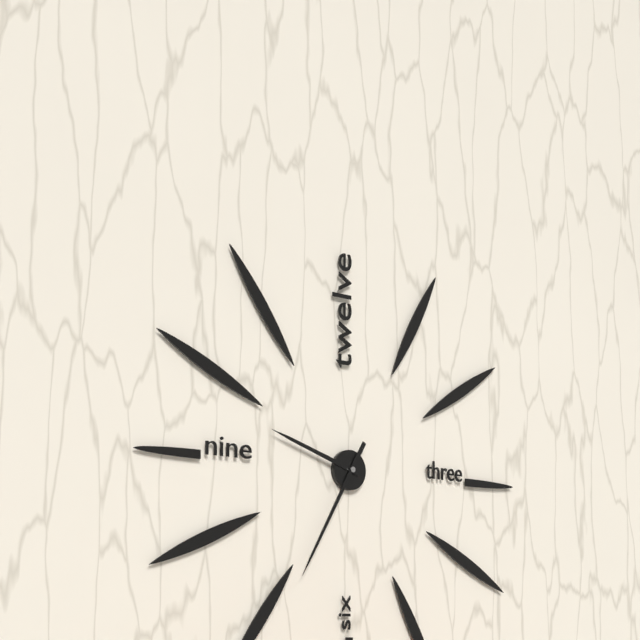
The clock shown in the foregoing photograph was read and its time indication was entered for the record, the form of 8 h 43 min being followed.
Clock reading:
9 h 35 min
